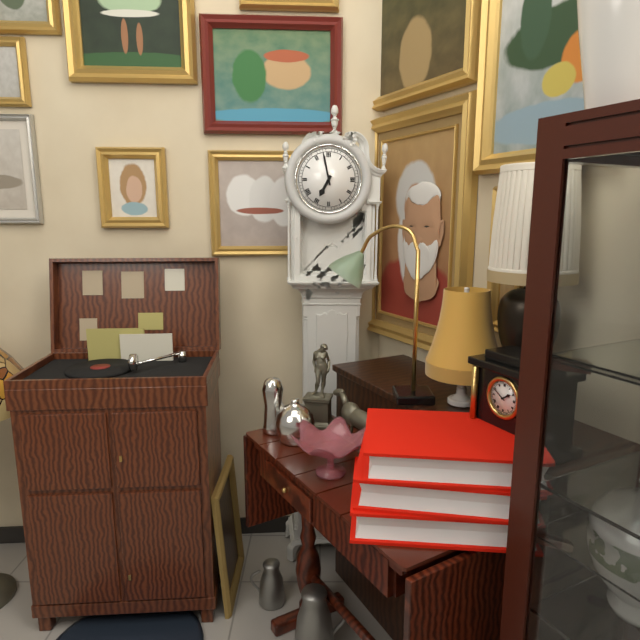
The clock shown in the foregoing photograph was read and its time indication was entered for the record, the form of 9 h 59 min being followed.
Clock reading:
6 h 58 min
